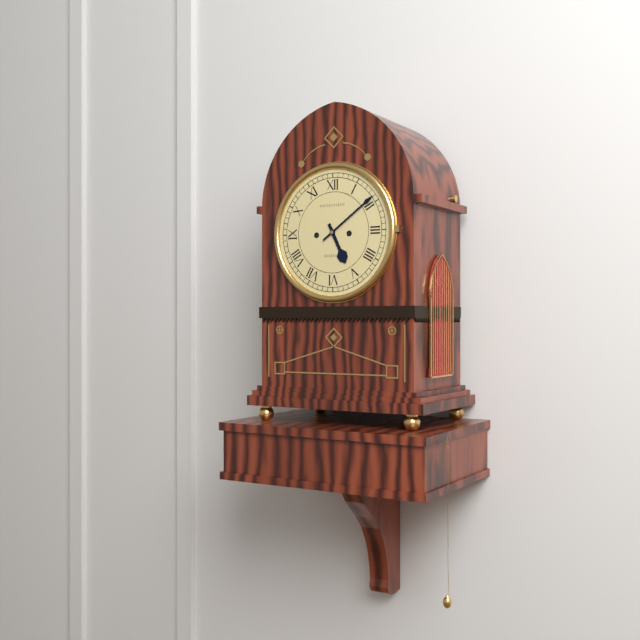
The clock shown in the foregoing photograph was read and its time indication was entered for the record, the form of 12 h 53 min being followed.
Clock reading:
5 h 09 min
